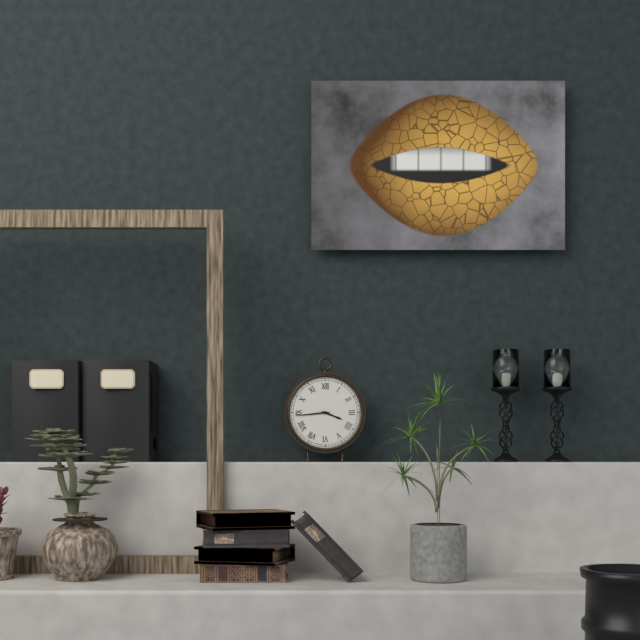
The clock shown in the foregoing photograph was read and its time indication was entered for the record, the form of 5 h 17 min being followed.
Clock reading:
3 h 44 min
